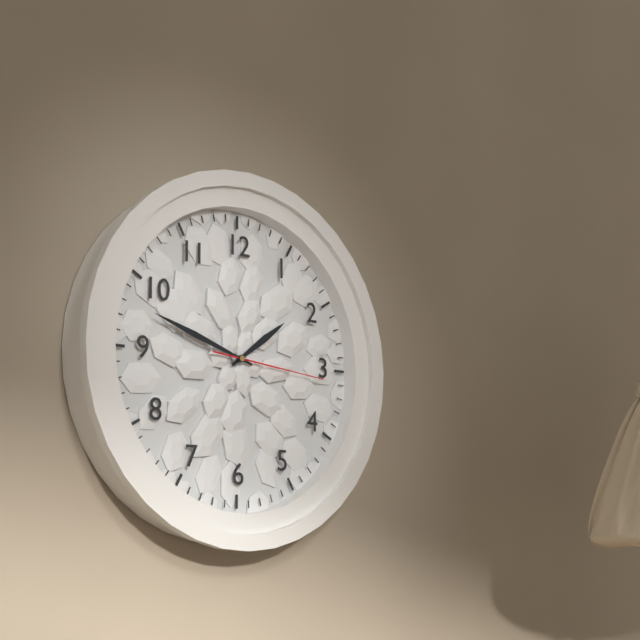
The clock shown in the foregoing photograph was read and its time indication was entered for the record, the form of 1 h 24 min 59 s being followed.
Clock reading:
1 h 48 min 16 s
